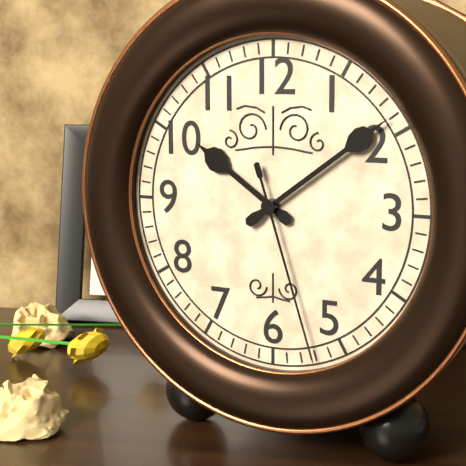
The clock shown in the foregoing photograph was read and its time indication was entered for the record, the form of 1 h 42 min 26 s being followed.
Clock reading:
10 h 09 min 27 s
